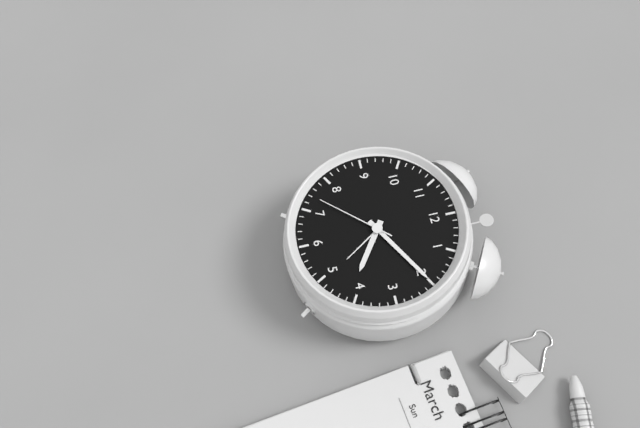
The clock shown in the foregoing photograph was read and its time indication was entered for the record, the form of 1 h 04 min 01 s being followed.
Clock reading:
4 h 10 min 37 s
